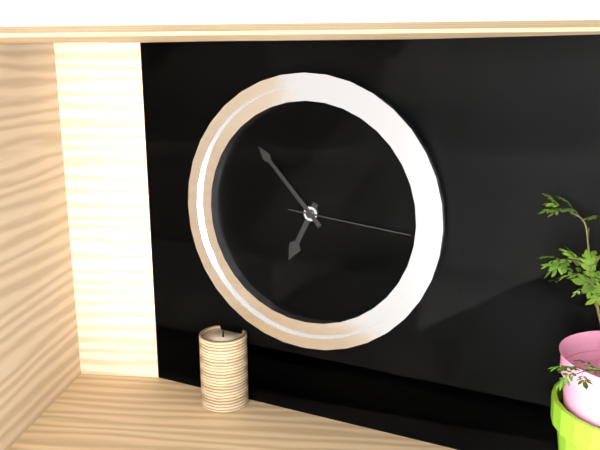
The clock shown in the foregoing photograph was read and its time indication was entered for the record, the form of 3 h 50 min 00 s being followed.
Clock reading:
6 h 53 min 16 s
